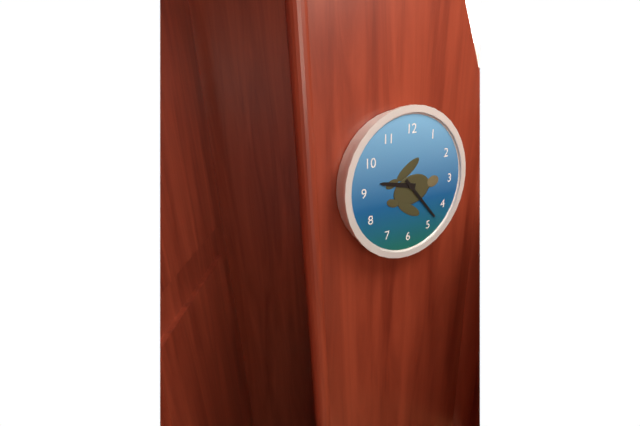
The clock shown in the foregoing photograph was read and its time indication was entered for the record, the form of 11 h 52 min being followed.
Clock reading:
9 h 23 min
